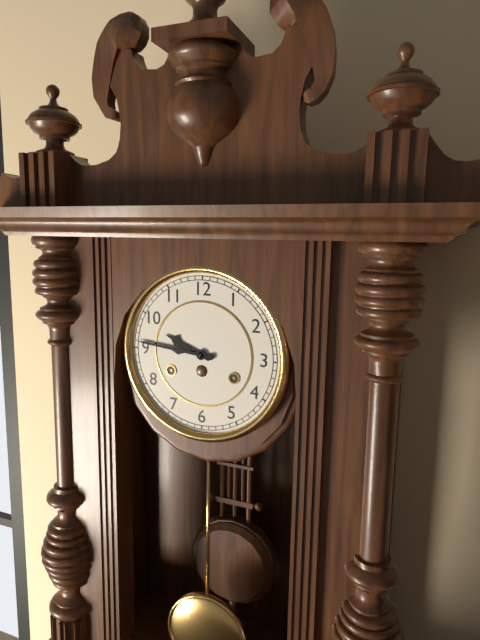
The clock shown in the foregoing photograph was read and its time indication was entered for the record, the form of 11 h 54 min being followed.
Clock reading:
9 h 46 min
